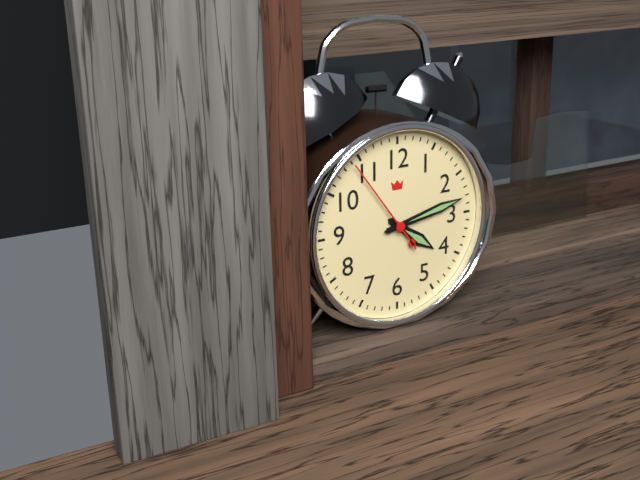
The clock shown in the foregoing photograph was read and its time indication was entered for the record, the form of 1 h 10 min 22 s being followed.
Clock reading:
4 h 13 min 54 s
